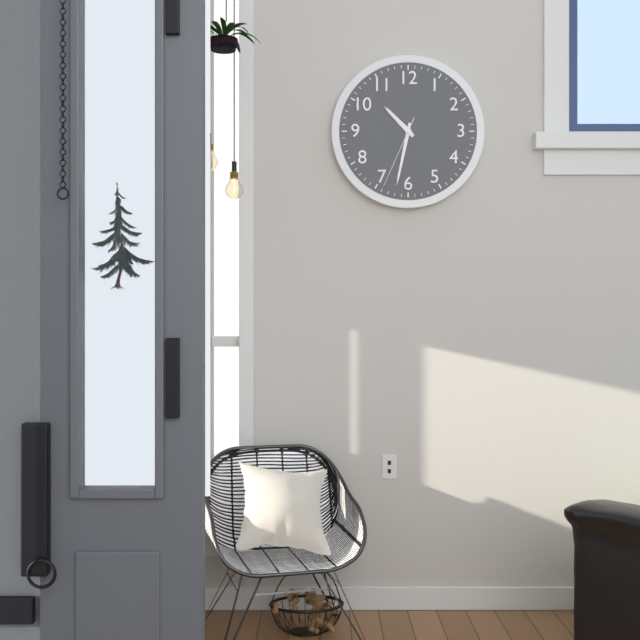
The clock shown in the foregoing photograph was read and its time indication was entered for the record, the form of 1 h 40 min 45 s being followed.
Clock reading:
10 h 32 min 34 s
